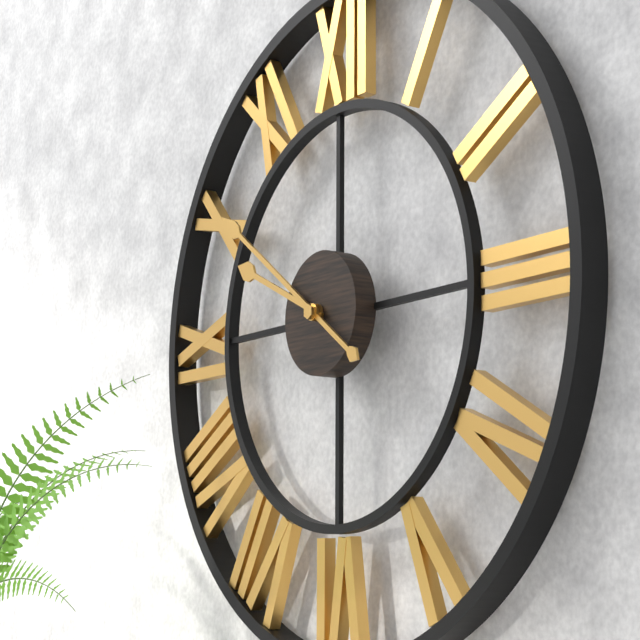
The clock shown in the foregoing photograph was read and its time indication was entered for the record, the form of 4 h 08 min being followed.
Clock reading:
9 h 51 min
